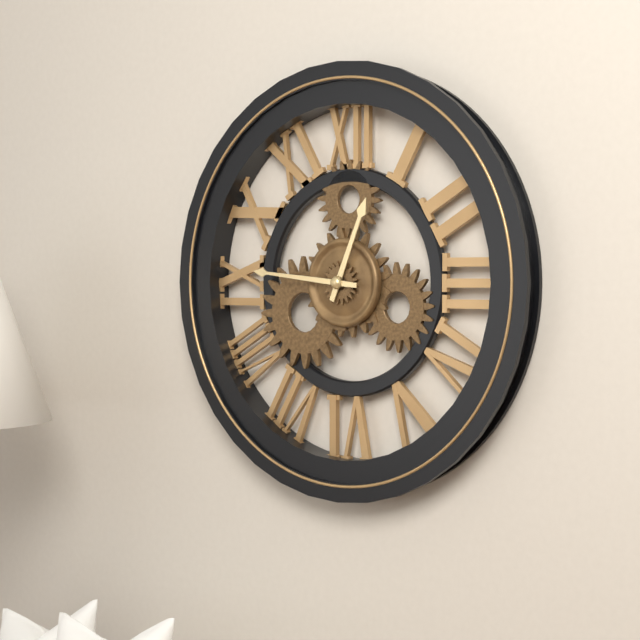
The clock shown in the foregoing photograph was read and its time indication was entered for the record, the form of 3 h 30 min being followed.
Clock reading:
12 h 46 min
